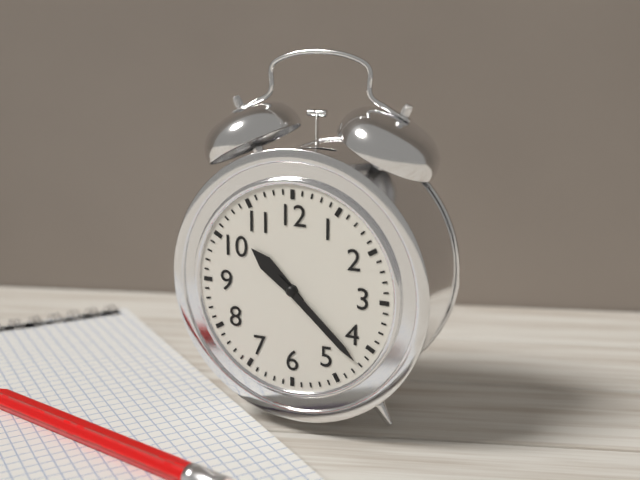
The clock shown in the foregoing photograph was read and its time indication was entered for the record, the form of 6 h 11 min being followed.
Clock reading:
10 h 22 min
